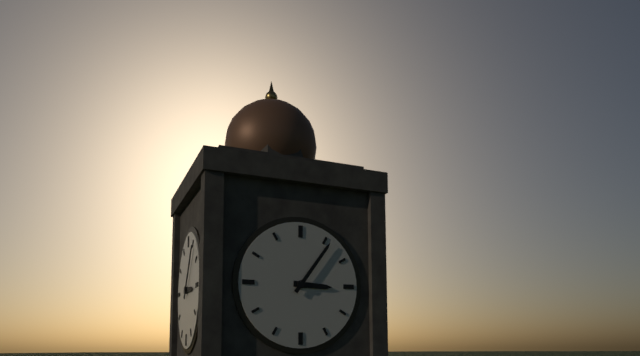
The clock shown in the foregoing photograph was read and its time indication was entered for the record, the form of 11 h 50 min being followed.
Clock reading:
3 h 06 min
